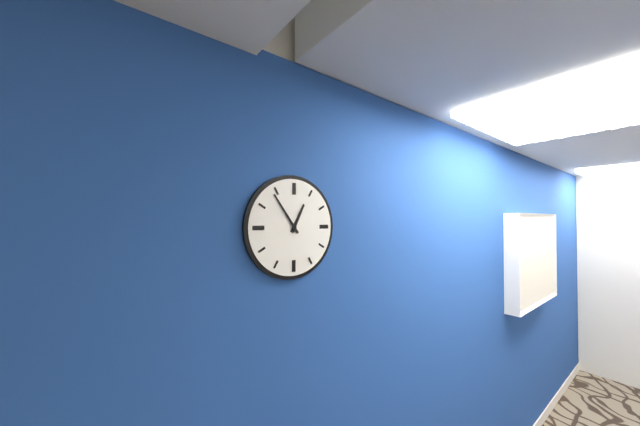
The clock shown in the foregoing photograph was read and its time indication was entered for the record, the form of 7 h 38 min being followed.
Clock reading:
12 h 54 min
